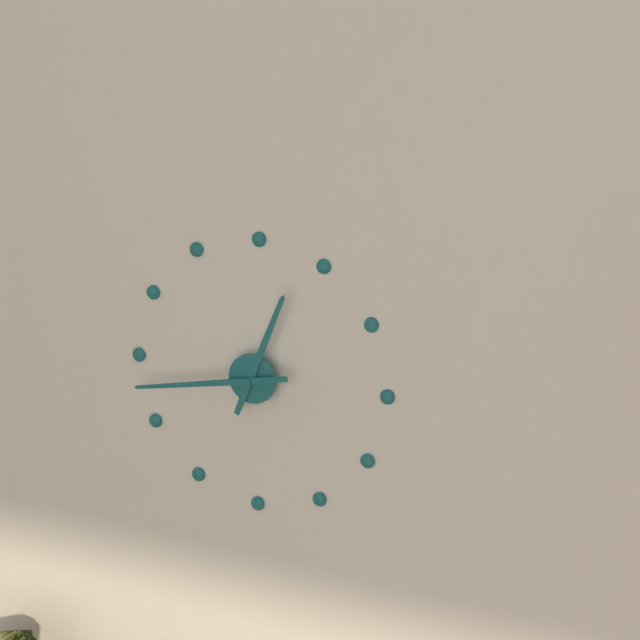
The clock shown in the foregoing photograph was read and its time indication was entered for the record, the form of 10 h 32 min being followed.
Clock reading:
12 h 43 min
